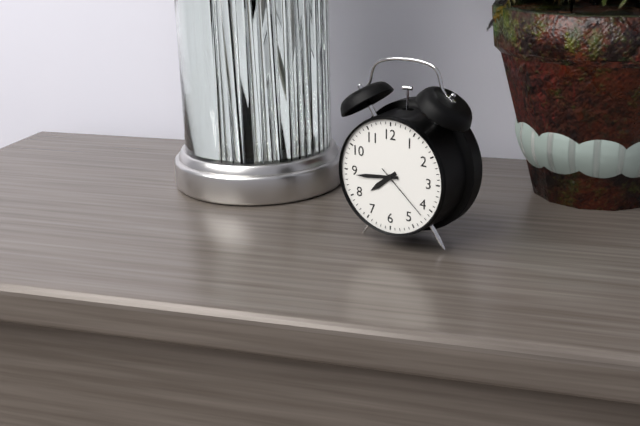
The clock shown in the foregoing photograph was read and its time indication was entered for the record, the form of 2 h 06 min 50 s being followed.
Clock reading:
7 h 44 min 22 s
